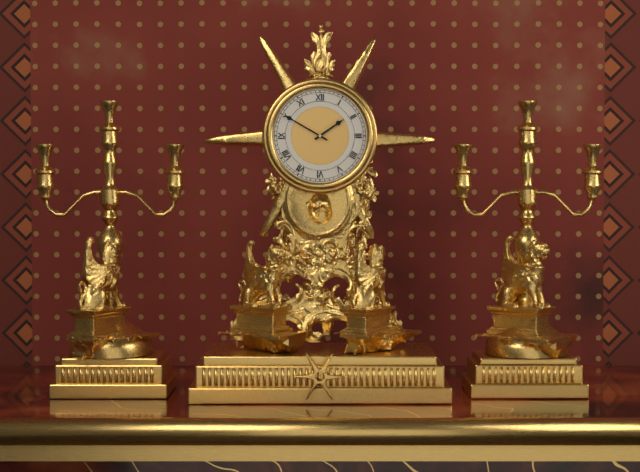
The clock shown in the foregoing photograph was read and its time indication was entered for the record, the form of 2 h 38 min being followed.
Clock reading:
1 h 50 min
